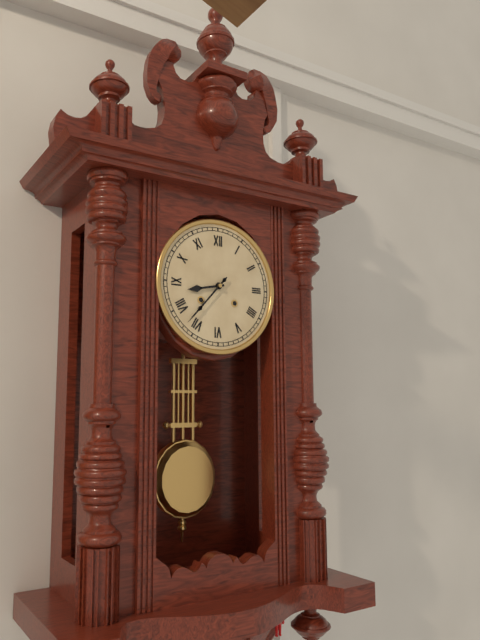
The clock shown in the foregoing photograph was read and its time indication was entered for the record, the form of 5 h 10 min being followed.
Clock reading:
8 h 37 min
